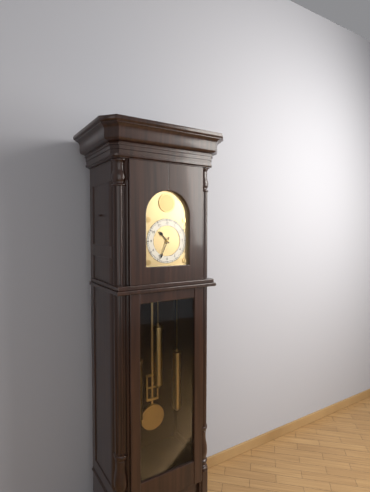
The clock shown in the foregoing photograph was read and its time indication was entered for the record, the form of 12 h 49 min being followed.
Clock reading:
10 h 34 min
